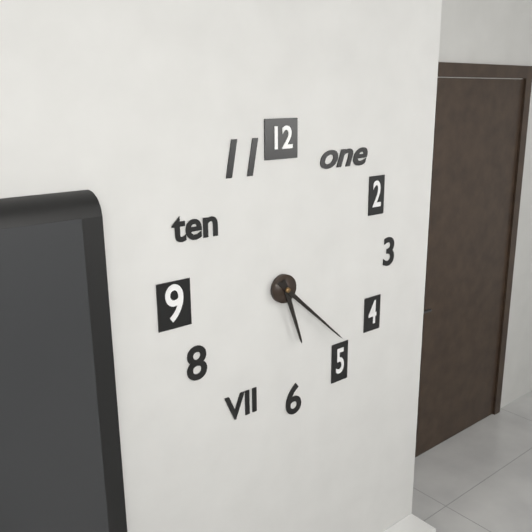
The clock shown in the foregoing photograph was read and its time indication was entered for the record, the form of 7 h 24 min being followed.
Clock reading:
5 h 22 min
